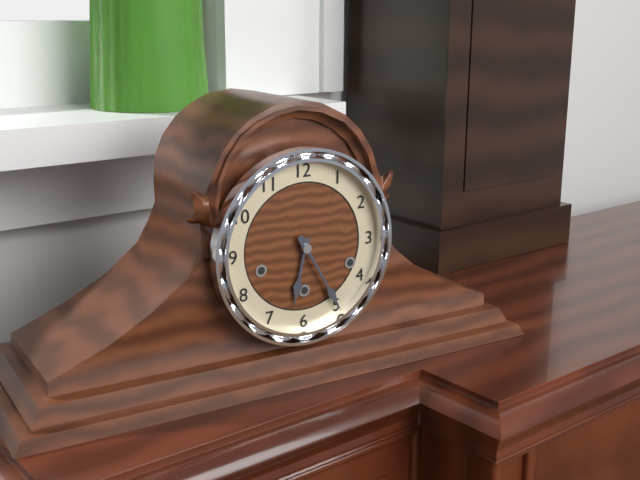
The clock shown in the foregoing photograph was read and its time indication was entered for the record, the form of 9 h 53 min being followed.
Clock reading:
6 h 25 min
